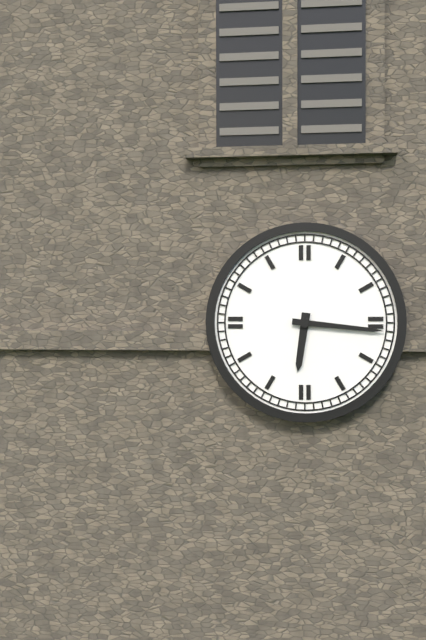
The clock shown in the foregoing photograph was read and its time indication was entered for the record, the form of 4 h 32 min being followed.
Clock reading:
6 h 16 min
